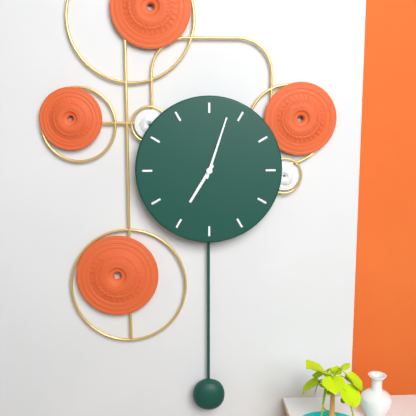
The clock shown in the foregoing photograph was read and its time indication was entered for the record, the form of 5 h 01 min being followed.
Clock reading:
7 h 03 min
